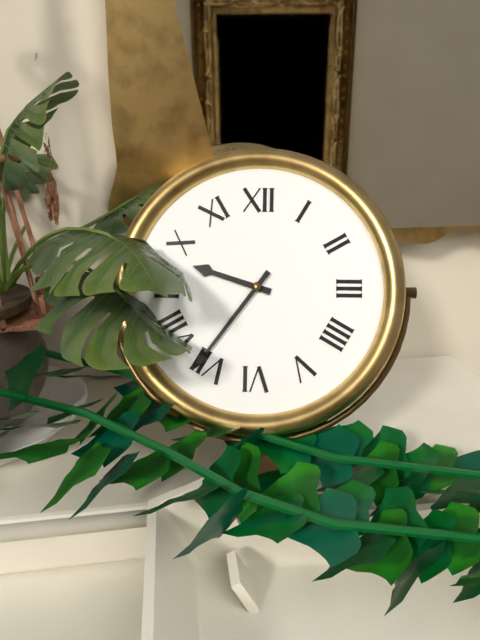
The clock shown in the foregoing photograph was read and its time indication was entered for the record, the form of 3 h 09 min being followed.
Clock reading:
9 h 36 min
